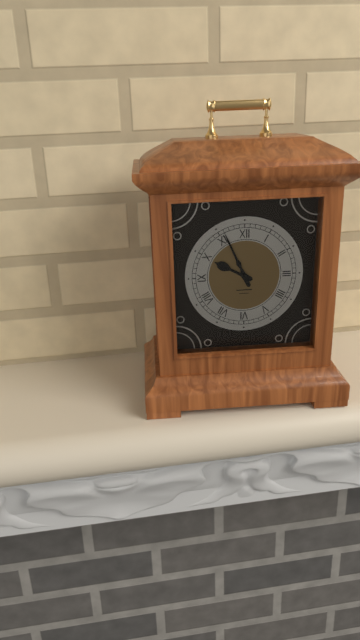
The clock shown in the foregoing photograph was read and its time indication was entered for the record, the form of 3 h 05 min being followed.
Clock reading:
9 h 56 min
